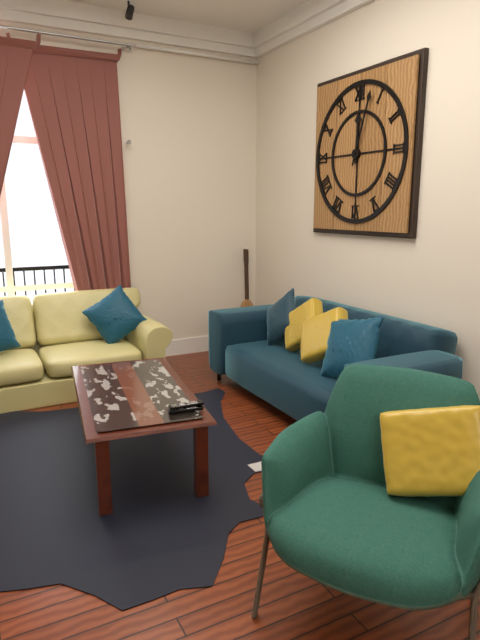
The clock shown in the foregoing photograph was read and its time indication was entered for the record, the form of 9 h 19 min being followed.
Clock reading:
12 h 03 min
